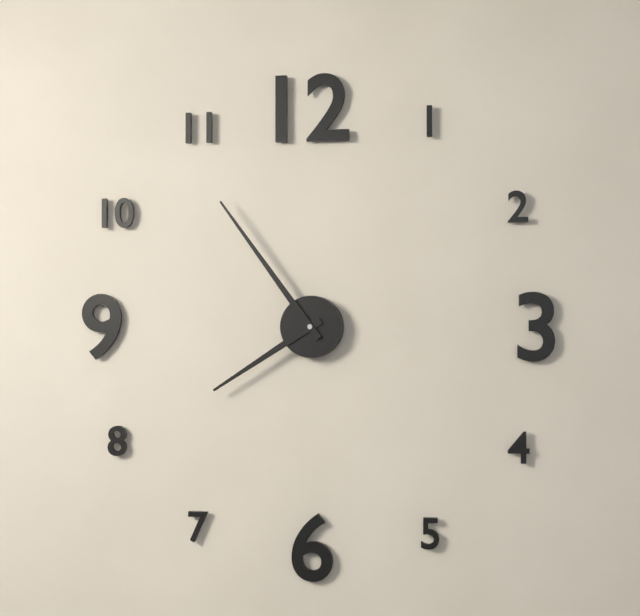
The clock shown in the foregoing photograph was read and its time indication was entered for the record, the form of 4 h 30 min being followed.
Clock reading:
7 h 54 min
